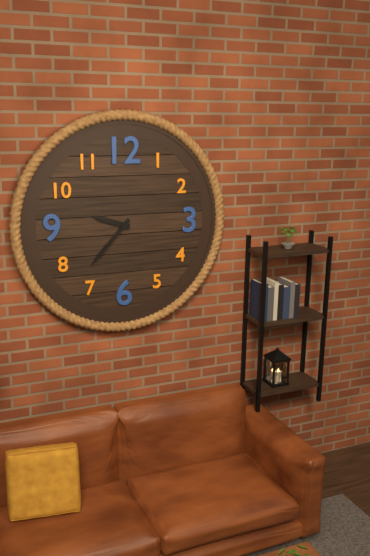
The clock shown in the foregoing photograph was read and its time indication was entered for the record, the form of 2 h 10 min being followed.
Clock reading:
9 h 37 min
